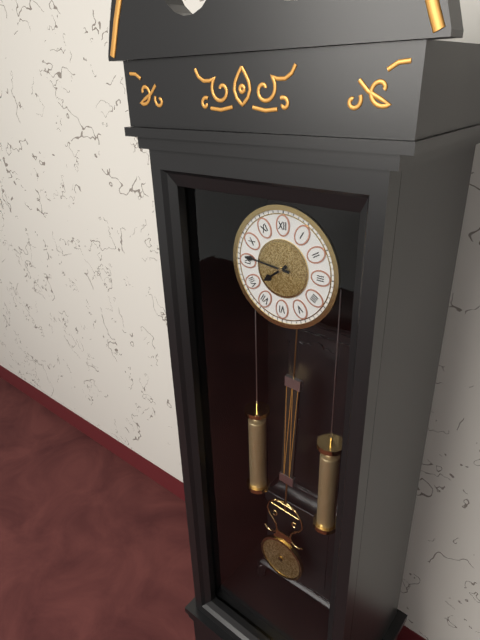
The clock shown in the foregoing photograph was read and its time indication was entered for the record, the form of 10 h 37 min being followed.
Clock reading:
7 h 46 min
